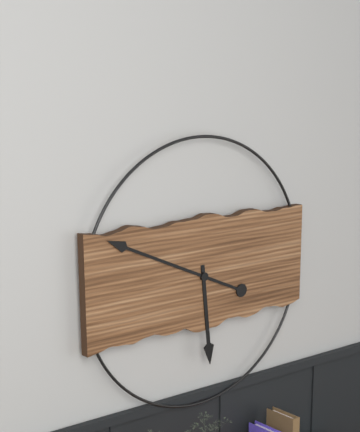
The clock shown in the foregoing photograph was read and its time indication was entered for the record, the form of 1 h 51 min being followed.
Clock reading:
5 h 49 min
